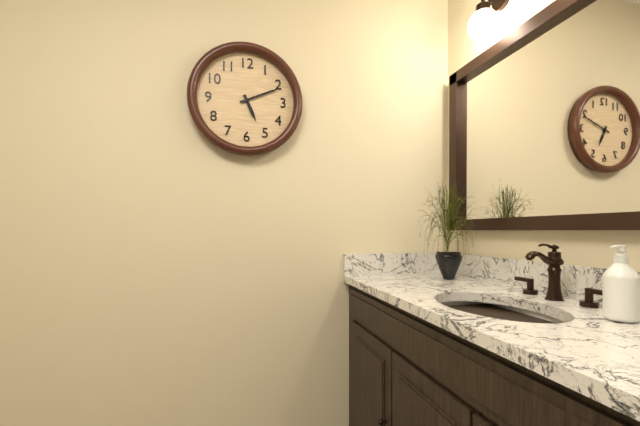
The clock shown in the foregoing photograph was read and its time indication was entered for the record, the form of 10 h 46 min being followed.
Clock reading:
5 h 11 min
